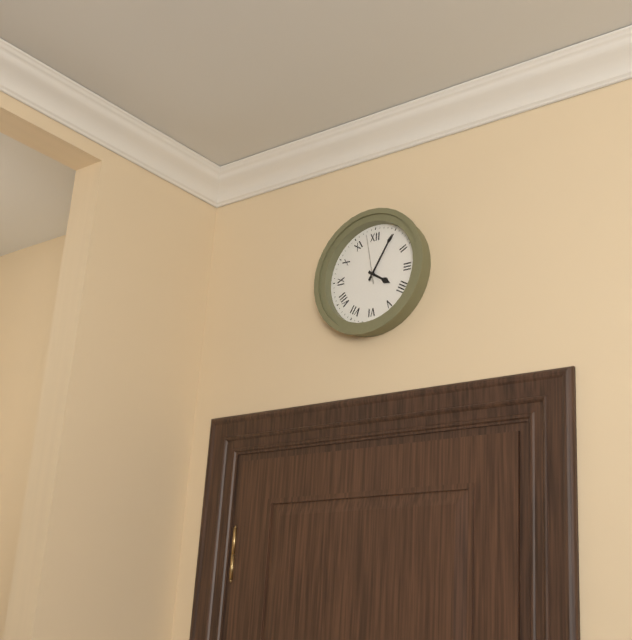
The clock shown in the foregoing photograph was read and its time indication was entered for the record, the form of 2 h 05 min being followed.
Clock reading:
4 h 05 min
